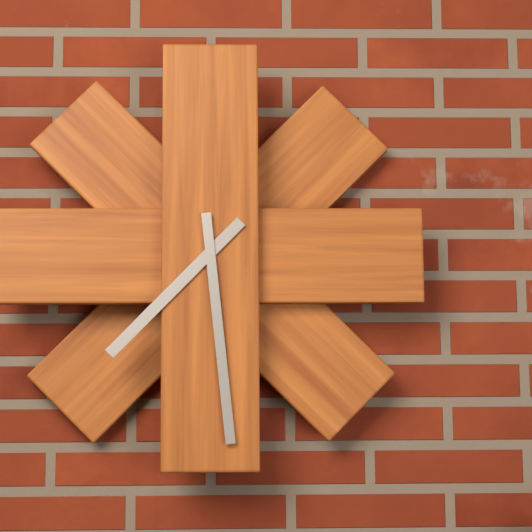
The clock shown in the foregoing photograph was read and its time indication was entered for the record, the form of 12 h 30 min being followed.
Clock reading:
7 h 29 min
